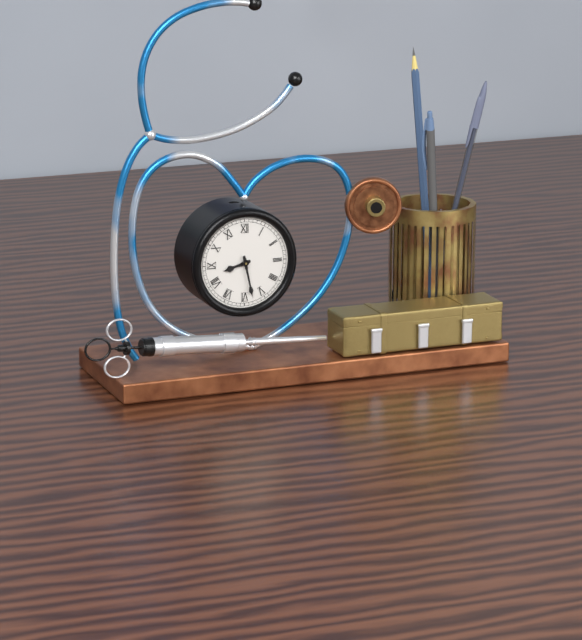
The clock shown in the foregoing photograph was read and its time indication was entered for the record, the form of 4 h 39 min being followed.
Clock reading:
8 h 28 min
